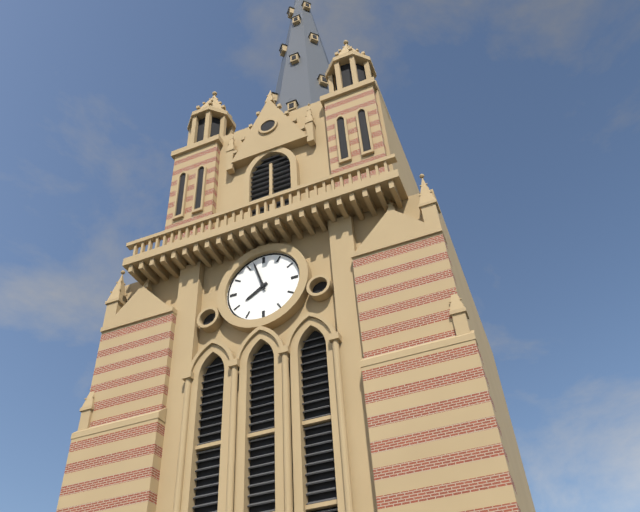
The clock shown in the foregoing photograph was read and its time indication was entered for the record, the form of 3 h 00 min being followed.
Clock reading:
7 h 57 min
